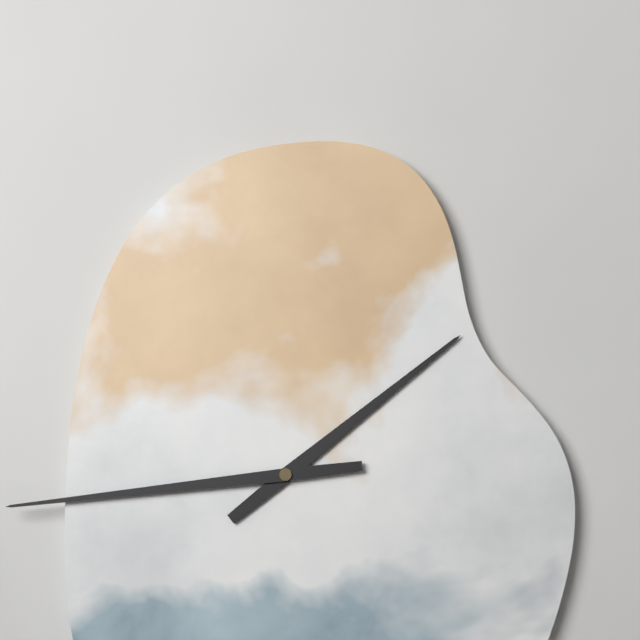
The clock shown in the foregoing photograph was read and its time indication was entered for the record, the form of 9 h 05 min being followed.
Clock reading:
1 h 44 min
